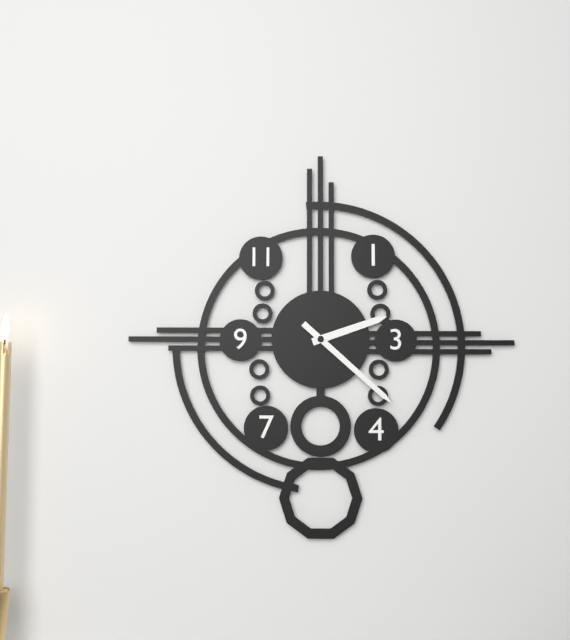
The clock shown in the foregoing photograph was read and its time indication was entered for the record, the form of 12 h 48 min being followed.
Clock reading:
2 h 22 min
